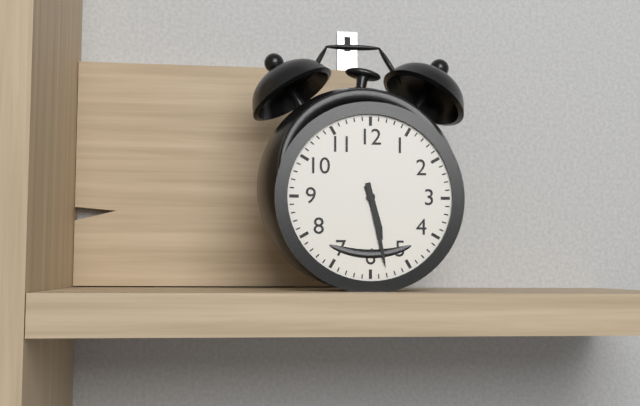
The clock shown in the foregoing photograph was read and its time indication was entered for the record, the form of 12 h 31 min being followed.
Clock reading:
5 h 28 min
